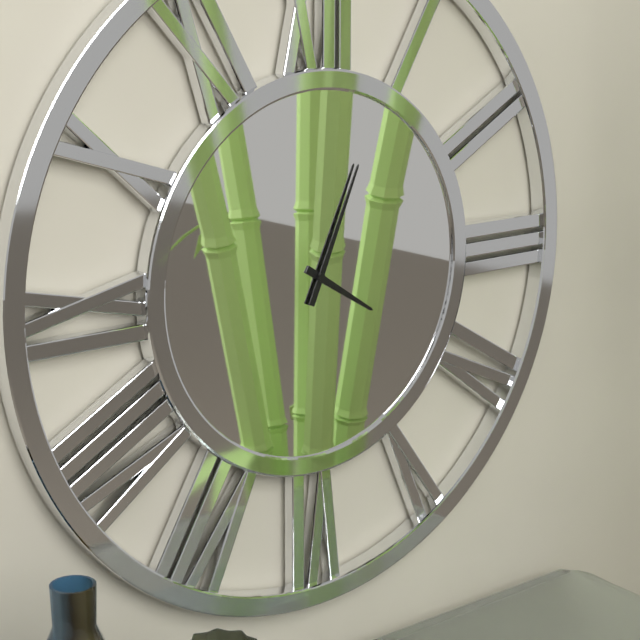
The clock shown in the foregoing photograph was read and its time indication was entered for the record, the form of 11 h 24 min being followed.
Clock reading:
4 h 04 min
